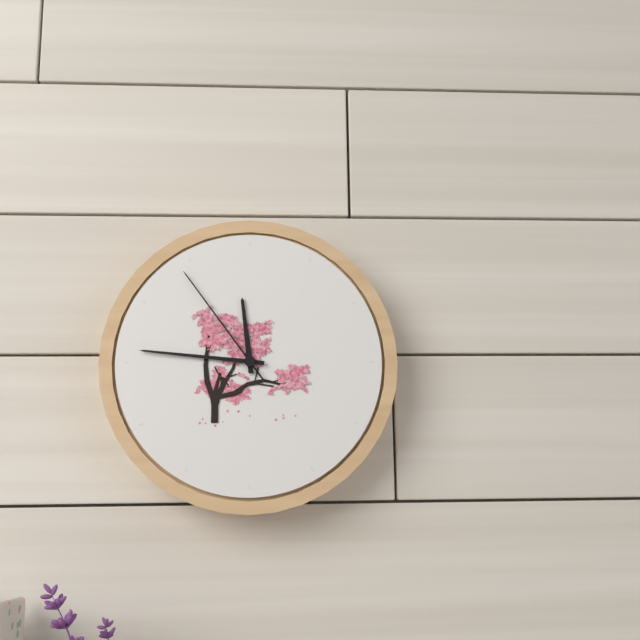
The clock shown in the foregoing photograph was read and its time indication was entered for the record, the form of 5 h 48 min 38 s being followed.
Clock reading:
11 h 46 min 54 s
